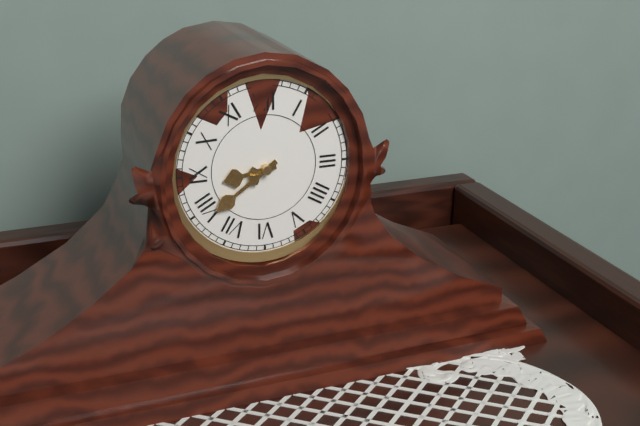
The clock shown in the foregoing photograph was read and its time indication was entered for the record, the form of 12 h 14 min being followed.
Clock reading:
8 h 39 min
